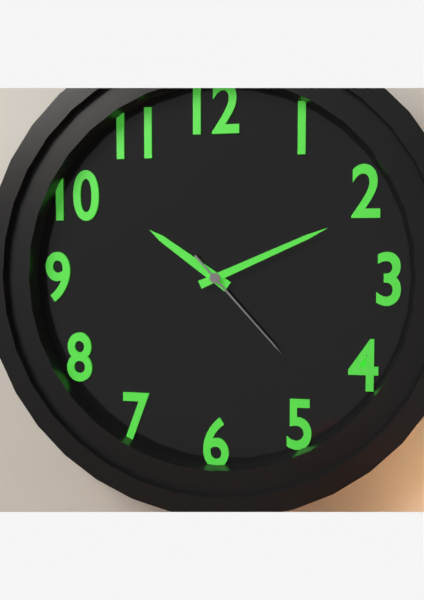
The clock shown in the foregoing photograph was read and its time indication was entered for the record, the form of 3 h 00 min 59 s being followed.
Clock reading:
10 h 11 min 23 s
